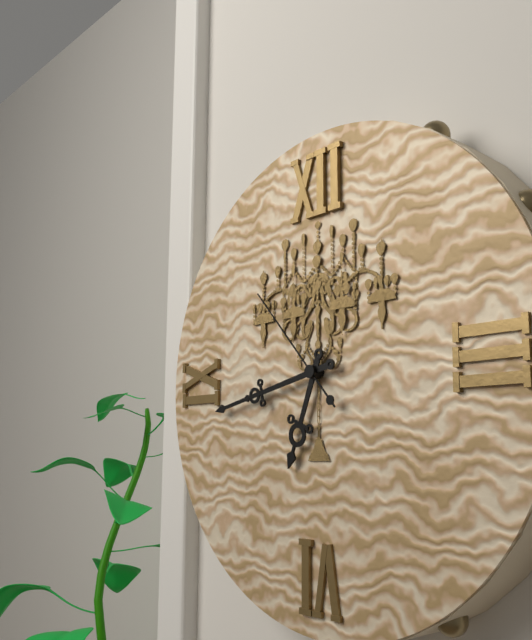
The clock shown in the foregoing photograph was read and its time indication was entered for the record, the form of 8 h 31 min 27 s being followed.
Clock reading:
6 h 43 min 53 s
